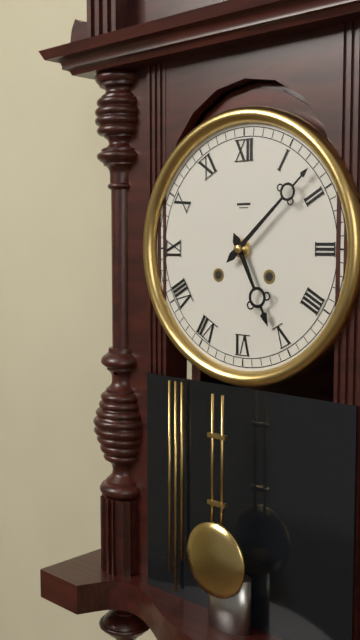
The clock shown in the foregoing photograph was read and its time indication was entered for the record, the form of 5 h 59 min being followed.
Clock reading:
5 h 08 min
